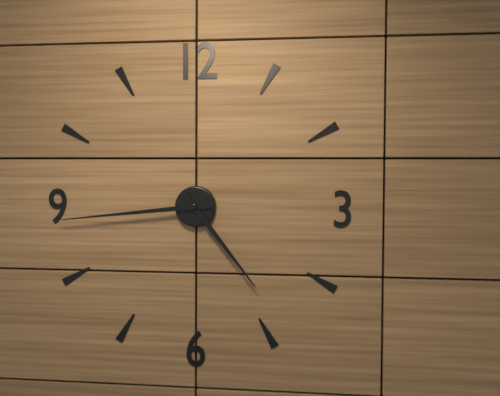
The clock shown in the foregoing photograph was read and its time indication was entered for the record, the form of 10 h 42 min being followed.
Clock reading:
4 h 44 min
